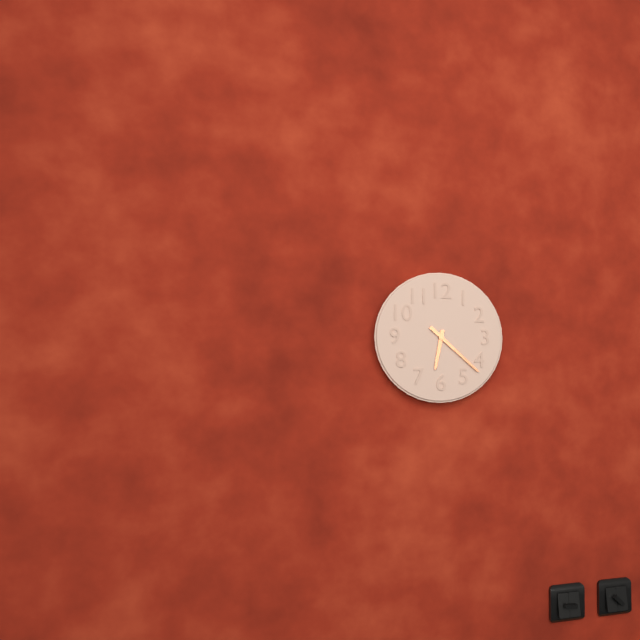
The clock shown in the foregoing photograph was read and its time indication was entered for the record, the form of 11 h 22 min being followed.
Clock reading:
6 h 22 min
